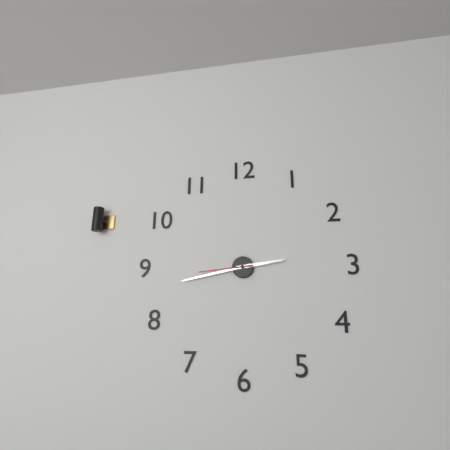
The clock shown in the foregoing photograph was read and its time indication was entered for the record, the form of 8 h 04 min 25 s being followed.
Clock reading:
2 h 43 min 44 s
